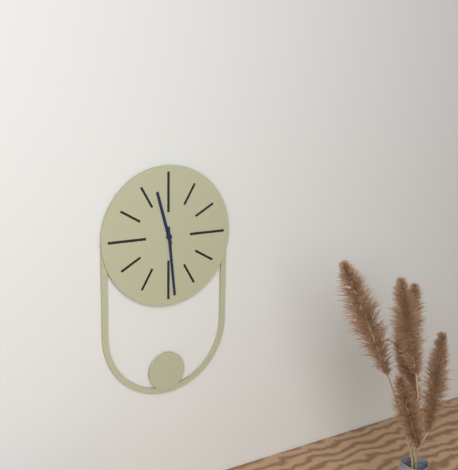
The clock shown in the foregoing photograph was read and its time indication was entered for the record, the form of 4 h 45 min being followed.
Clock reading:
11 h 29 min
